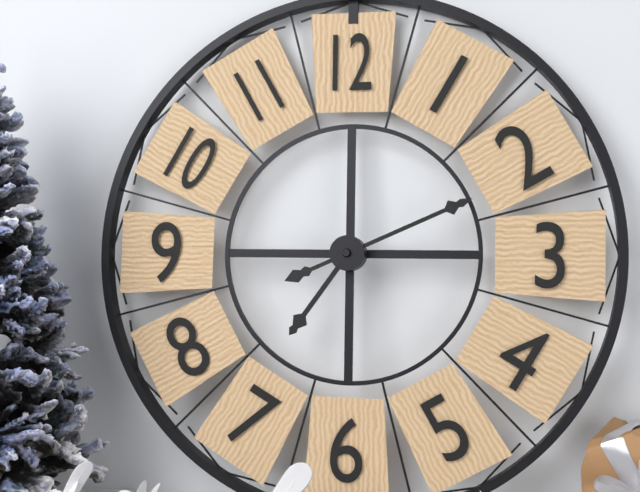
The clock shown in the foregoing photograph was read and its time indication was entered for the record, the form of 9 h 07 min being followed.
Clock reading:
7 h 11 min
